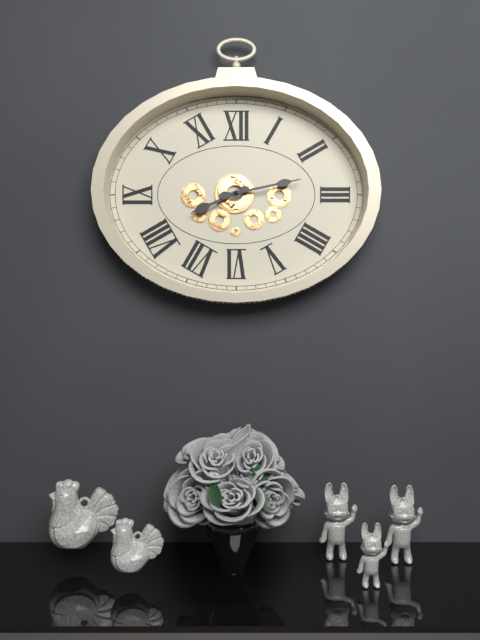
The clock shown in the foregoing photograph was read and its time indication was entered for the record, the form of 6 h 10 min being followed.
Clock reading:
8 h 13 min
